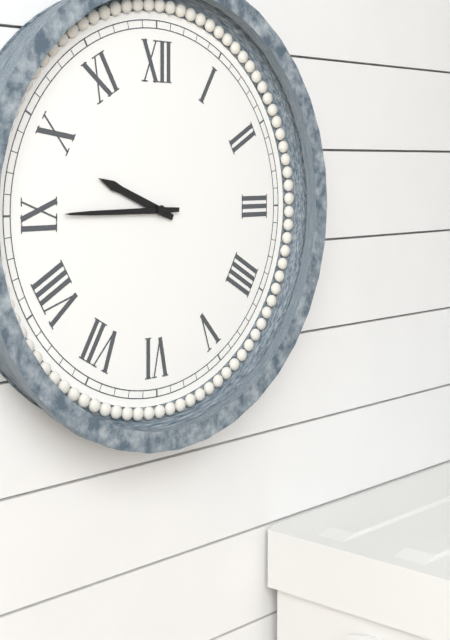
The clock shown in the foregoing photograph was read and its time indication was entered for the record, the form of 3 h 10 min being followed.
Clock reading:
9 h 45 min
